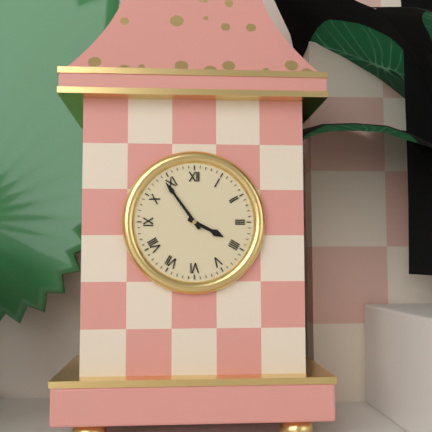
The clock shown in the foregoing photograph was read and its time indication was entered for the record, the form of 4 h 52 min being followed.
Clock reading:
3 h 54 min
